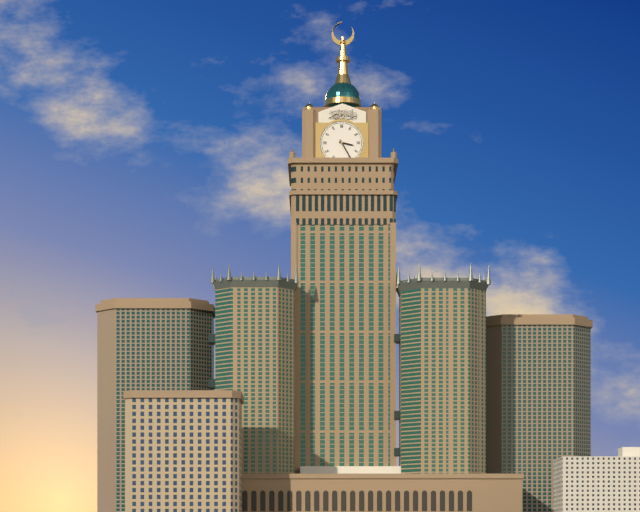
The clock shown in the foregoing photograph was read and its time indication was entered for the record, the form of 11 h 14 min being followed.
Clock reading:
3 h 25 min
